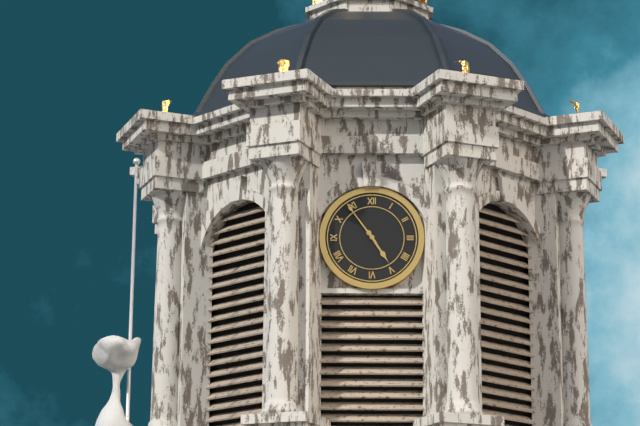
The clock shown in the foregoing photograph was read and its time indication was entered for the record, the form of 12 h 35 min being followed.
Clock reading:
4 h 54 min
